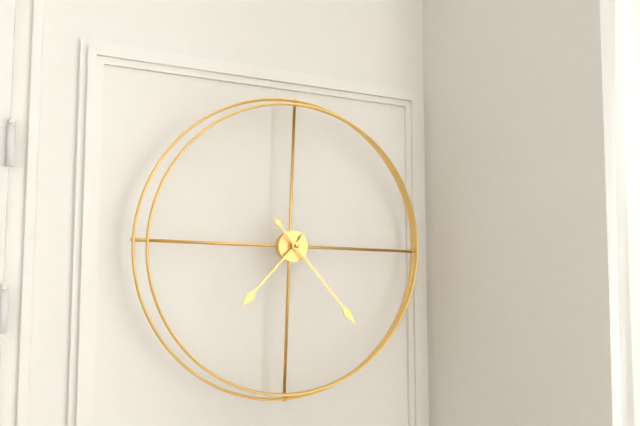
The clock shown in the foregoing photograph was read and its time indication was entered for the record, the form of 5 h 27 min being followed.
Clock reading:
7 h 23 min
